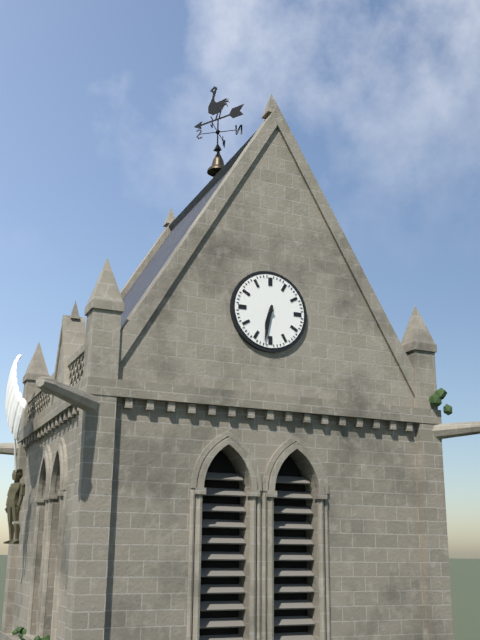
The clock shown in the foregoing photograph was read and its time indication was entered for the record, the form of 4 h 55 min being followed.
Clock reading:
6 h 32 min
